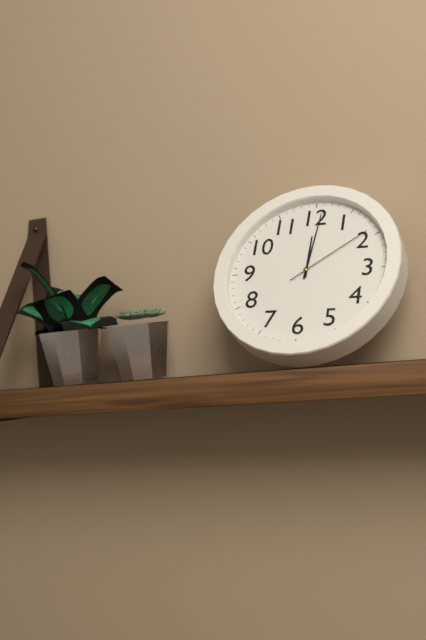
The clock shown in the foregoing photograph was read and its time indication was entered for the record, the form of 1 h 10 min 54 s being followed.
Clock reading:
12 h 01 min 09 s
